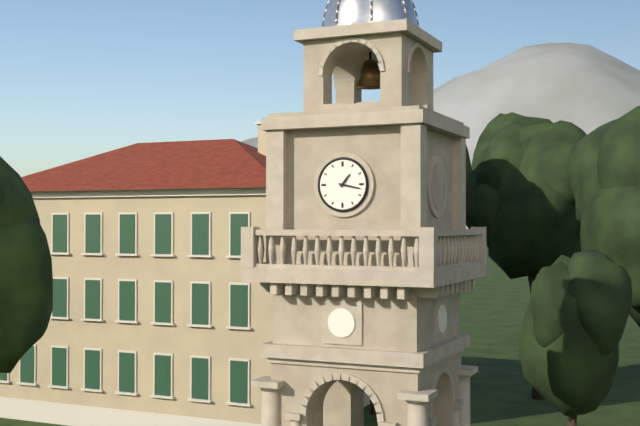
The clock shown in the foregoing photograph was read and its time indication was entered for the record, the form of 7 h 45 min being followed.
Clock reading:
1 h 17 min
